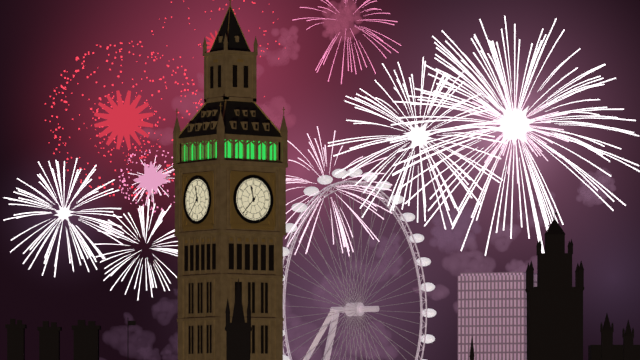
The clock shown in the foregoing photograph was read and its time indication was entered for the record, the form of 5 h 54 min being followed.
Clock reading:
11 h 37 min
